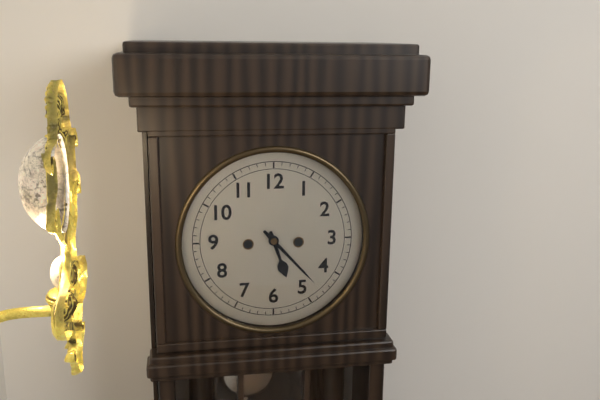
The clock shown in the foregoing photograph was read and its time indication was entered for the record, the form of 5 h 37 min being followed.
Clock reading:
5 h 23 min
